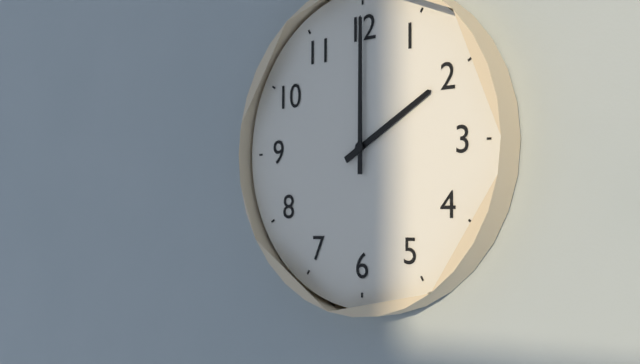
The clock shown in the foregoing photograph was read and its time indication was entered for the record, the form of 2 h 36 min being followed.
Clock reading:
2 h 00 min
